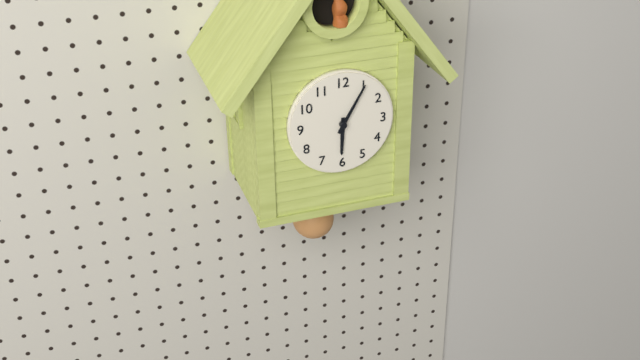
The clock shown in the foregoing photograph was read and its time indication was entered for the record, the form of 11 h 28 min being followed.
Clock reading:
6 h 05 min
